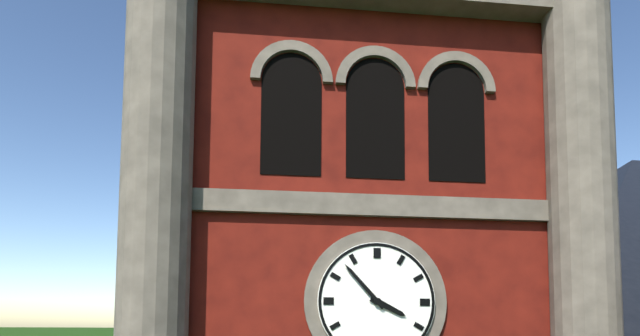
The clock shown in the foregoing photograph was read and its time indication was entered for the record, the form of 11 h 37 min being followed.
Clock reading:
3 h 53 min
